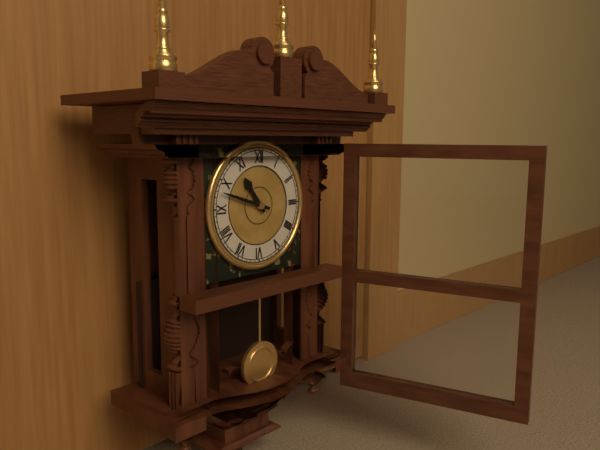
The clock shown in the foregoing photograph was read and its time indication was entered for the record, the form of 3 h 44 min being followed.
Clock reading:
10 h 48 min
